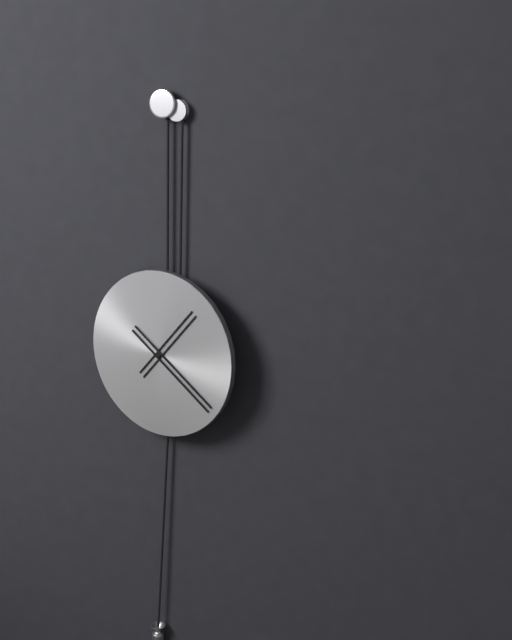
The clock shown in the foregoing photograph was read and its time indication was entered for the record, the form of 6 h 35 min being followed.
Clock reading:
1 h 21 min
